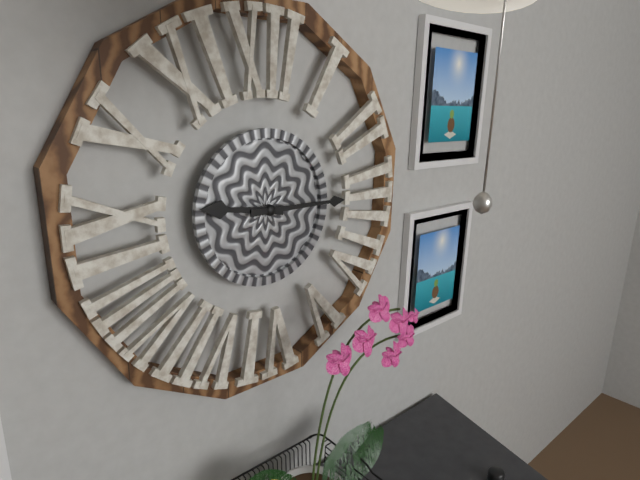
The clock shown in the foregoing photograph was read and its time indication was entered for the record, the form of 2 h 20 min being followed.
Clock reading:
9 h 15 min
